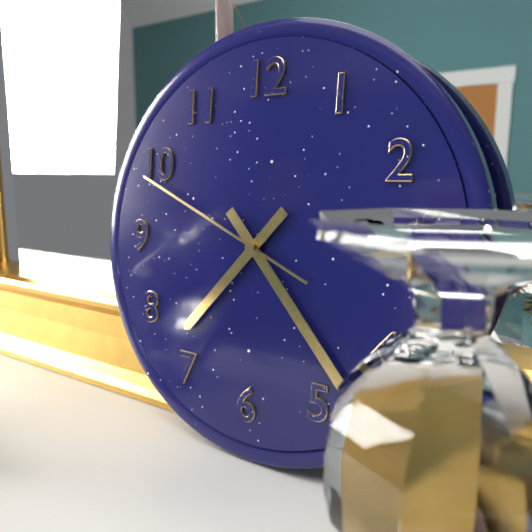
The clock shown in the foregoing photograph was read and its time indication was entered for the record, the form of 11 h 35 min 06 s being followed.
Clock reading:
7 h 23 min 49 s
